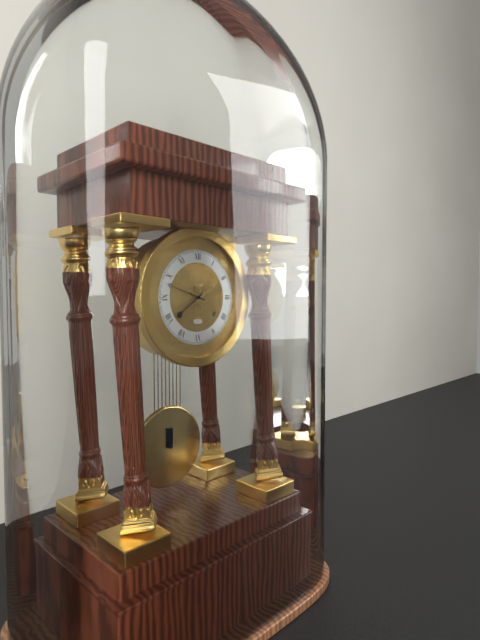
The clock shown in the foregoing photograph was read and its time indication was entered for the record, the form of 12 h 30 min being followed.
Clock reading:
7 h 48 min
